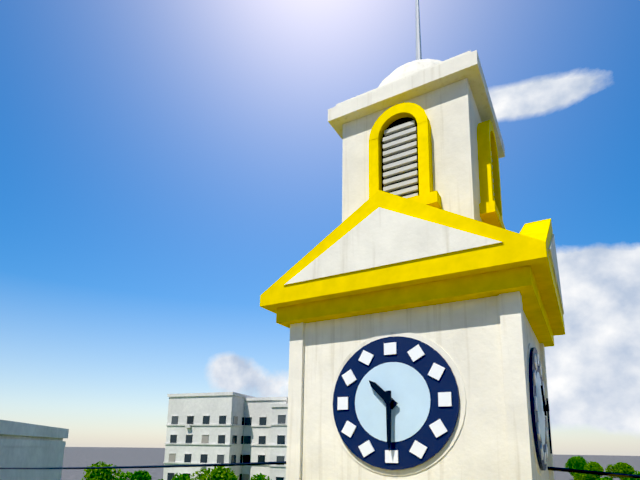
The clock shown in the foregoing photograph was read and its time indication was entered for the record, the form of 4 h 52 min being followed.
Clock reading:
10 h 30 min
